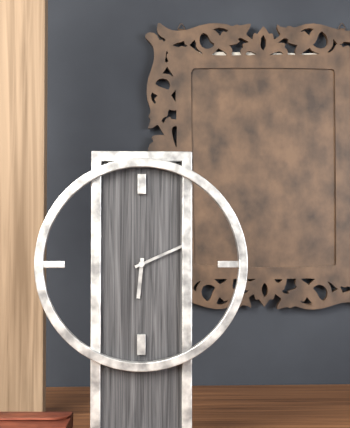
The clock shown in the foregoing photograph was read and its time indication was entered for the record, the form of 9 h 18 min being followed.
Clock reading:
6 h 11 min
